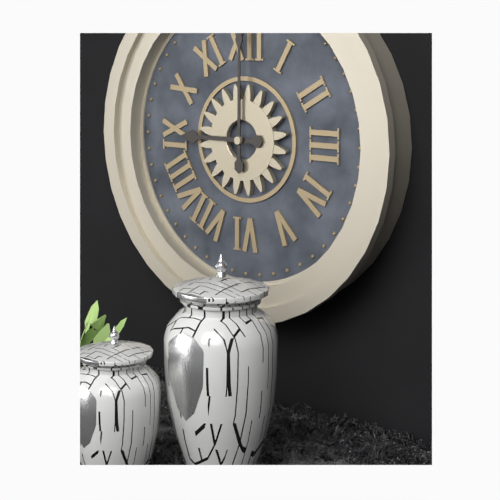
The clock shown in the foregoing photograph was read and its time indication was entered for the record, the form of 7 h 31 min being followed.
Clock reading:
9 h 00 min
